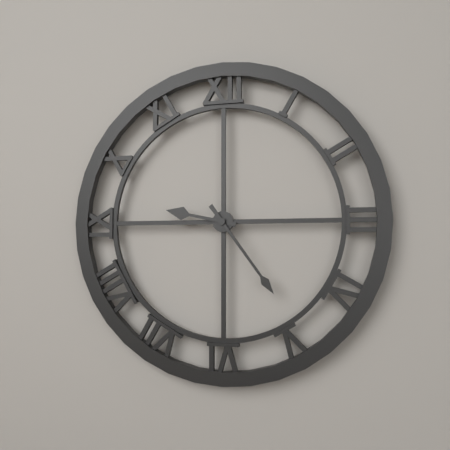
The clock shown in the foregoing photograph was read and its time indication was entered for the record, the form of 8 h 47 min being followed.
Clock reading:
9 h 24 min
